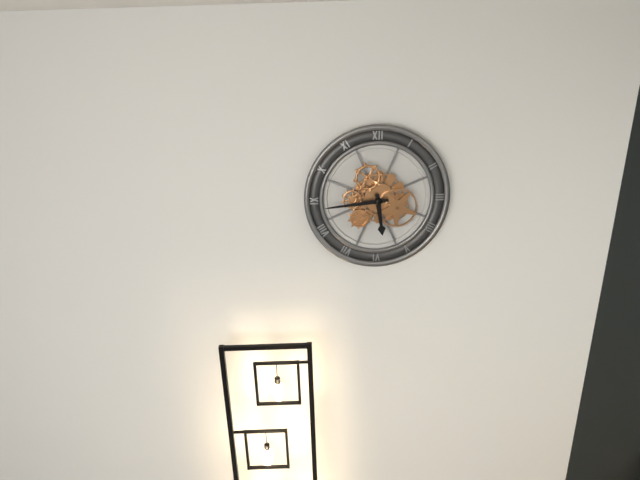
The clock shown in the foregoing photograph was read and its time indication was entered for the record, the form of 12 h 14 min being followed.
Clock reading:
5 h 44 min
